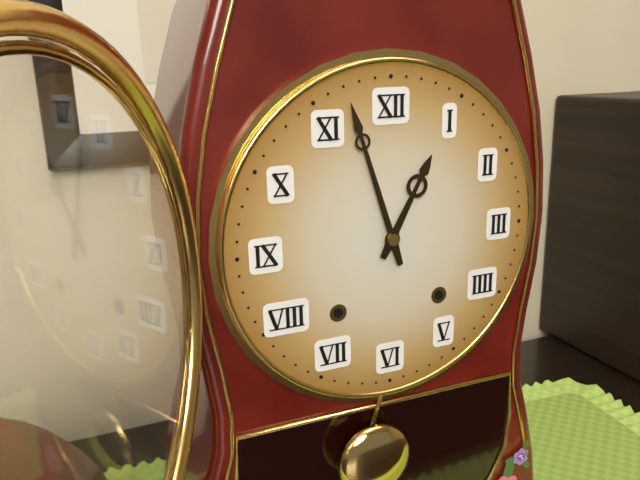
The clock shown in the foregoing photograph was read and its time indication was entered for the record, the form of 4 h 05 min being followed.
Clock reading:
12 h 57 min
